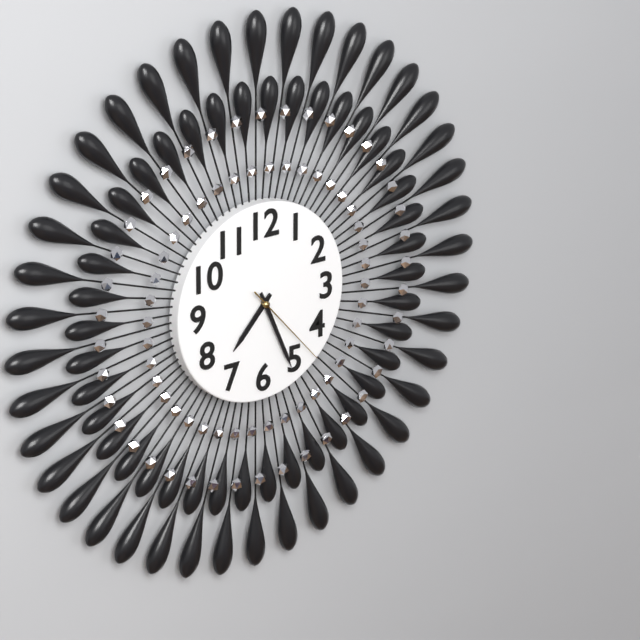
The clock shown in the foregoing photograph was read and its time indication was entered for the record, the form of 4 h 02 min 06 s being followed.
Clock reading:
7 h 26 min 23 s
